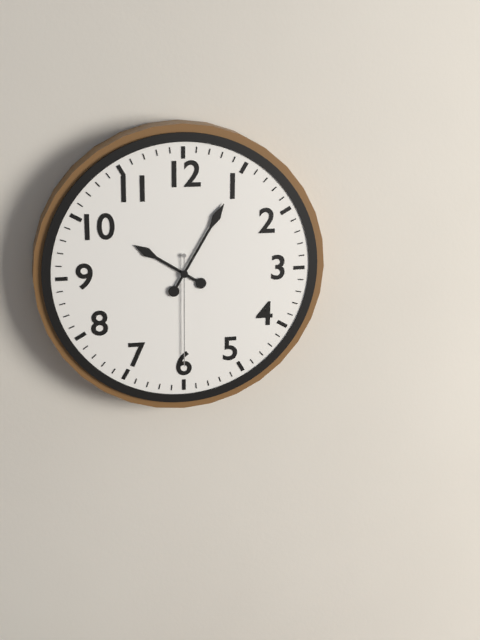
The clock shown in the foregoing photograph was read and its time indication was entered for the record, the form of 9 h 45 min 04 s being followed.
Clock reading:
10 h 05 min 30 s
